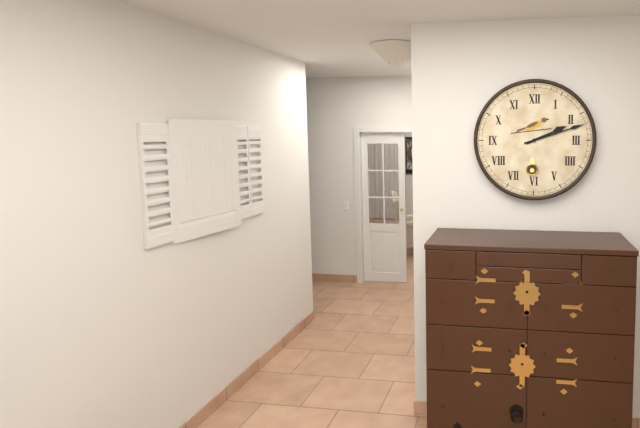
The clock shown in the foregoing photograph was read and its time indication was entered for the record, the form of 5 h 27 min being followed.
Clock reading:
2 h 12 min
